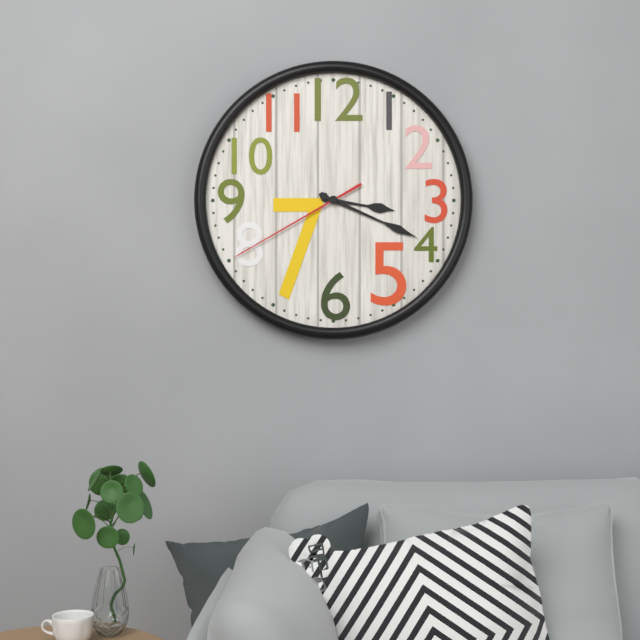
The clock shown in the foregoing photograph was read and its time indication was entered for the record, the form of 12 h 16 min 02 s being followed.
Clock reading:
3 h 19 min 40 s
